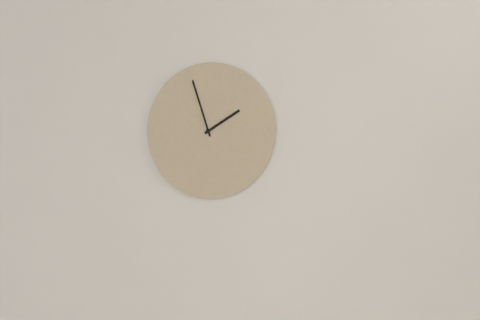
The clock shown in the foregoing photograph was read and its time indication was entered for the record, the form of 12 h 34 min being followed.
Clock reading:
1 h 57 min
